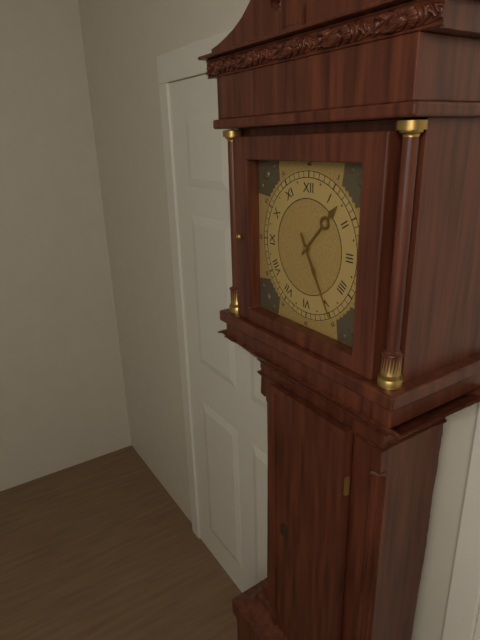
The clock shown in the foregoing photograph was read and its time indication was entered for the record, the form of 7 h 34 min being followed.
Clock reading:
1 h 25 min
